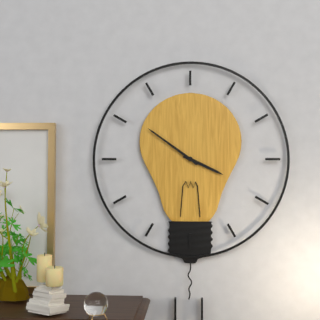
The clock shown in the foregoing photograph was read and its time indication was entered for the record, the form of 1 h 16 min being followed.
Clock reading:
3 h 51 min
